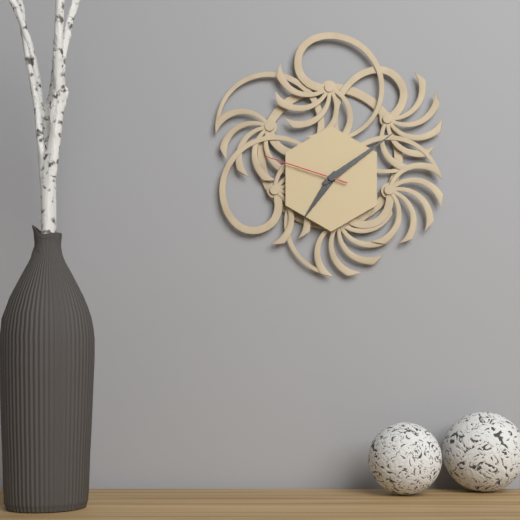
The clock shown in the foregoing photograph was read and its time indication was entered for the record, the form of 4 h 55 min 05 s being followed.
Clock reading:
7 h 09 min 48 s
